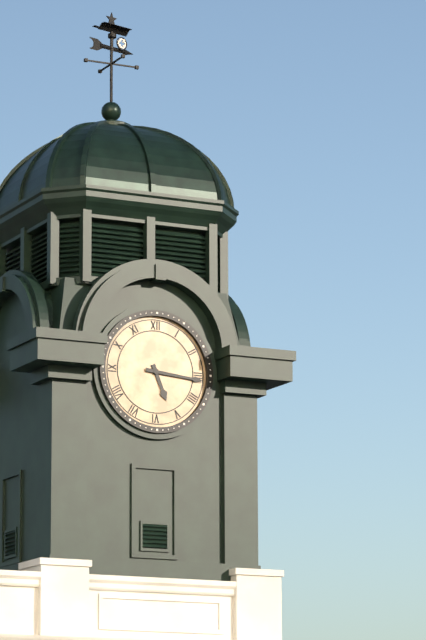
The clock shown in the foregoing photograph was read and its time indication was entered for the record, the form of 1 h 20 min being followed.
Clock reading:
5 h 16 min
